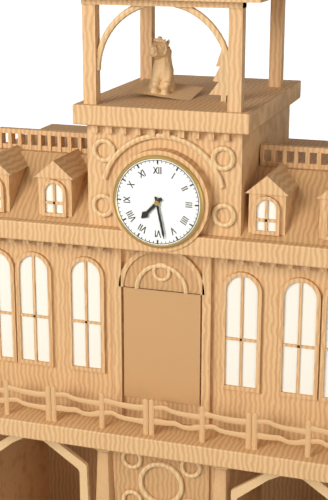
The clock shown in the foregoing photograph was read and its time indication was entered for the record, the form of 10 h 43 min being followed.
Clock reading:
7 h 28 min
